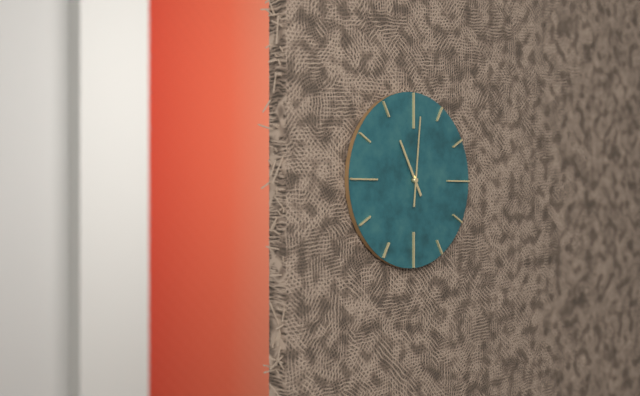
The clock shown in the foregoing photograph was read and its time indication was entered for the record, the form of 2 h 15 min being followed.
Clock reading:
11 h 01 min
